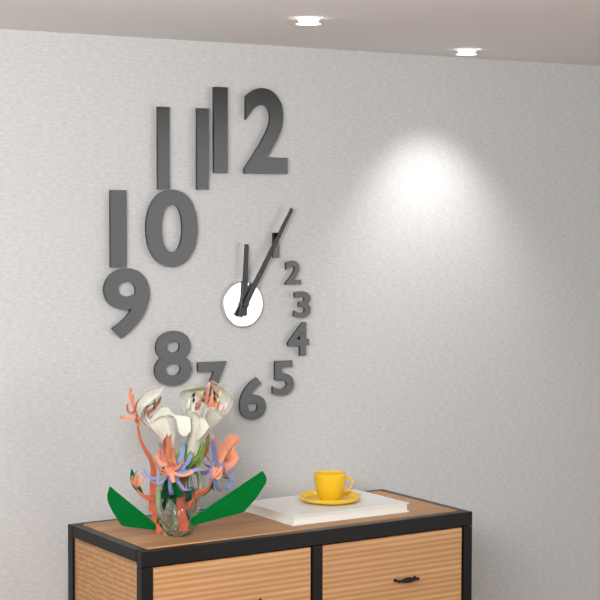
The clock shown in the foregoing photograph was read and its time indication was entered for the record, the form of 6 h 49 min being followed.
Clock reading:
12 h 05 min
